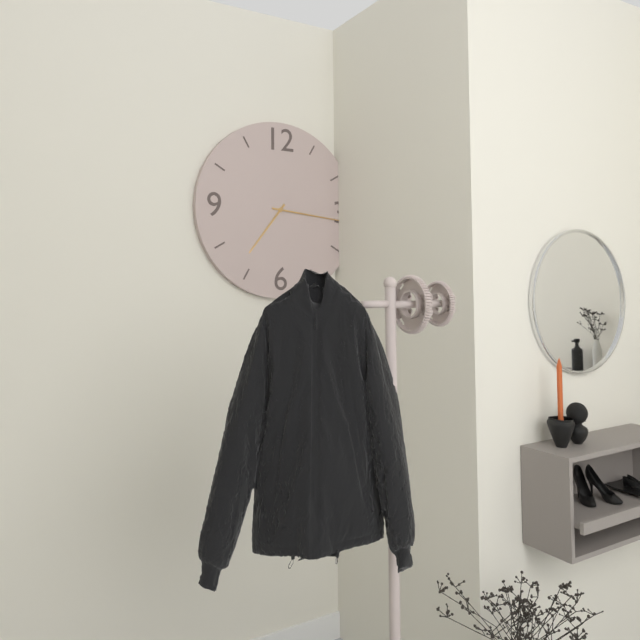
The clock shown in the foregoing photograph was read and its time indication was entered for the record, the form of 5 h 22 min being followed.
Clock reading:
7 h 16 min
